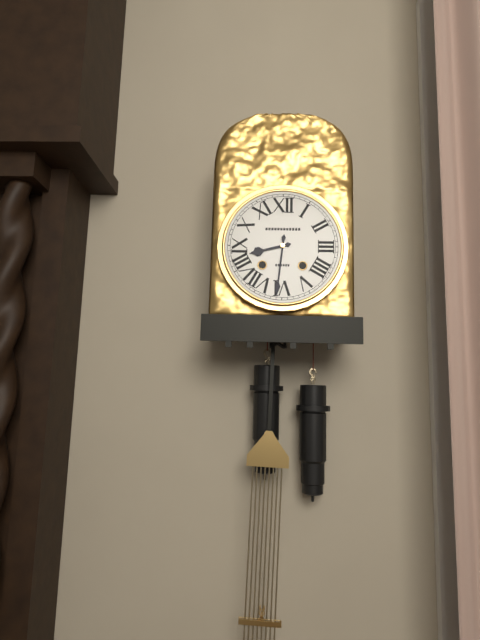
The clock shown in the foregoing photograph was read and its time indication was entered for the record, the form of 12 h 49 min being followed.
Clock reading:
8 h 31 min
